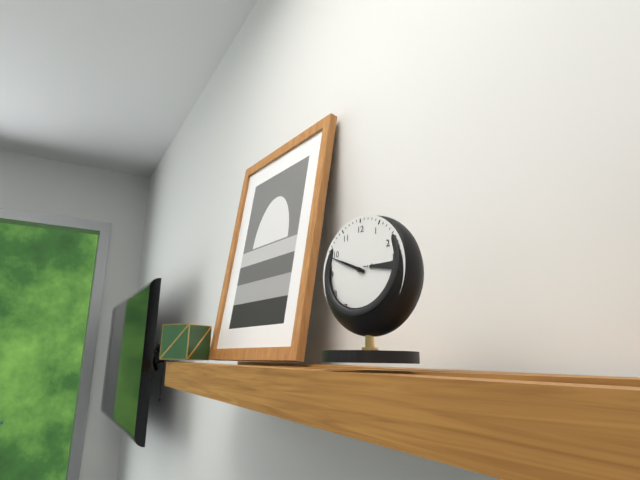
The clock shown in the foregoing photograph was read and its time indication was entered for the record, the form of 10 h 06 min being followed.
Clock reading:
9 h 49 min
